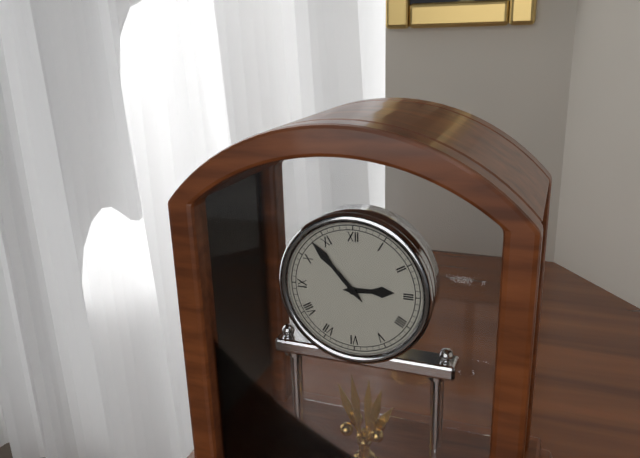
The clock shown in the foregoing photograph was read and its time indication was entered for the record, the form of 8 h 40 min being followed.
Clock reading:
2 h 53 min
